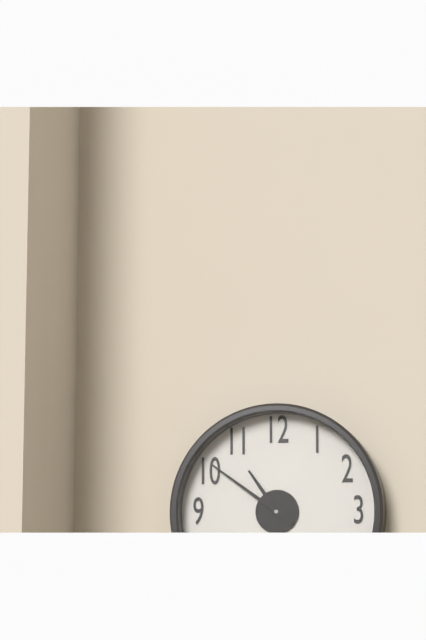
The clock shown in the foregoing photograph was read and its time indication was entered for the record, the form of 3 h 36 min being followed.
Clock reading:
10 h 51 min
